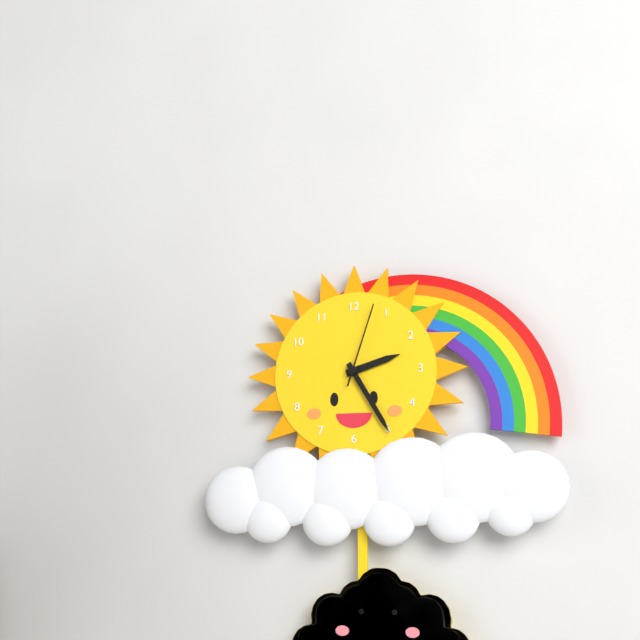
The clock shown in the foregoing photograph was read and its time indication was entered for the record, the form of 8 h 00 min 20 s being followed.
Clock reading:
2 h 25 min 03 s
